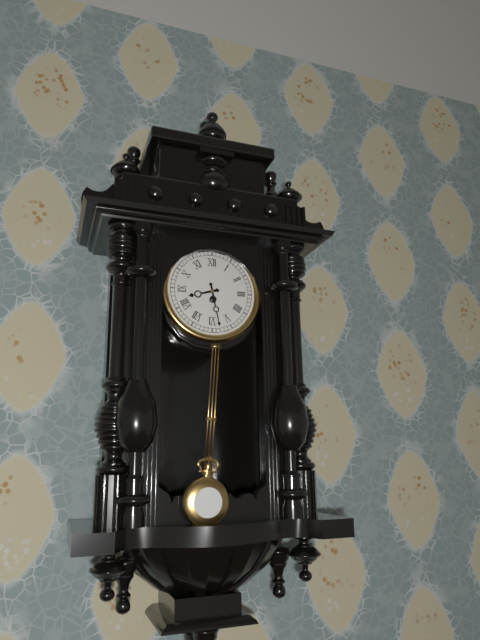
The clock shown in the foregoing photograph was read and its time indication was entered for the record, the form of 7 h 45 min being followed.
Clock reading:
8 h 28 min
